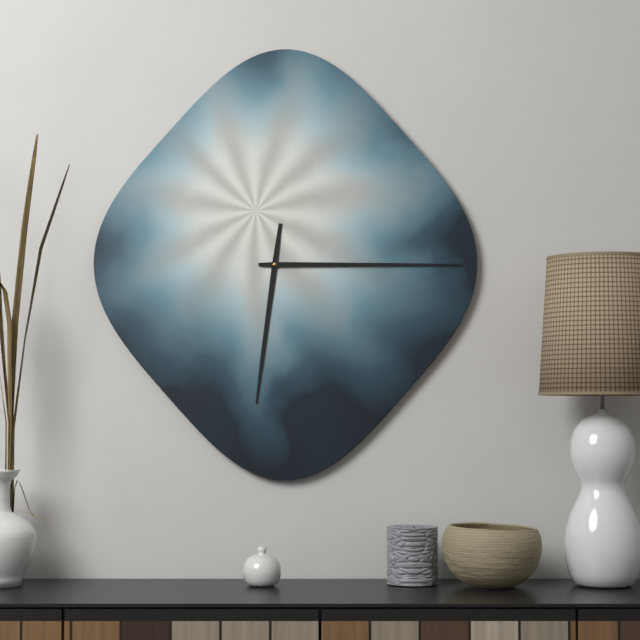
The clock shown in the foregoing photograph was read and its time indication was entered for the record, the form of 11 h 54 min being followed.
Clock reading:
6 h 15 min
